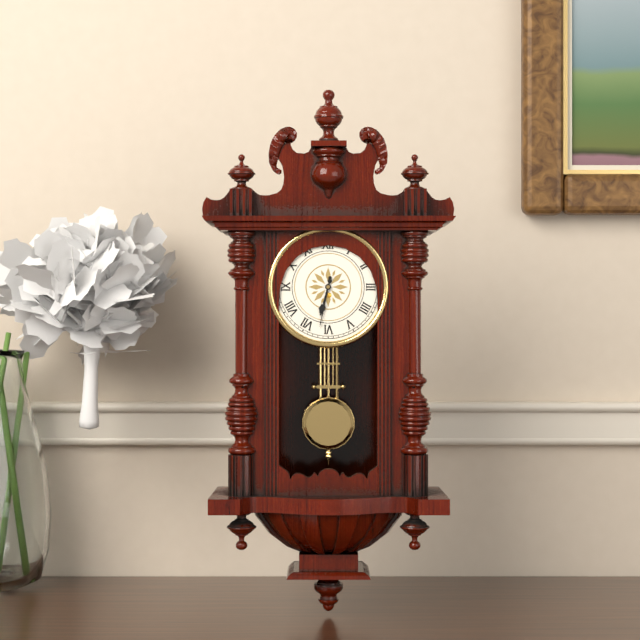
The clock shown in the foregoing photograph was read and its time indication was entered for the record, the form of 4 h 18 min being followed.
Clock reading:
6 h 32 min
